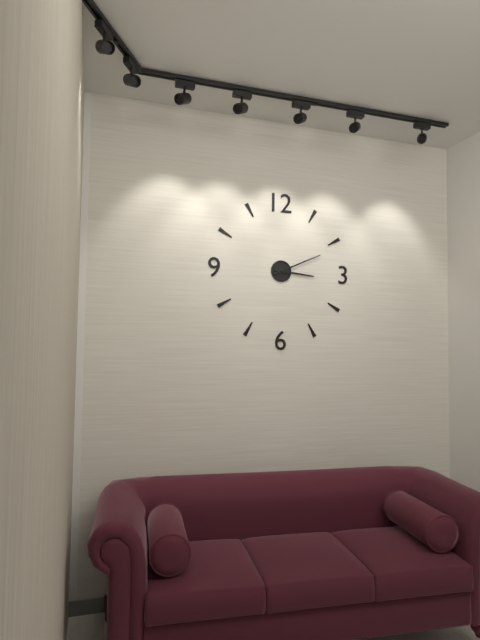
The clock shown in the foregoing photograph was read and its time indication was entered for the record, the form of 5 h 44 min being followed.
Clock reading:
3 h 11 min
